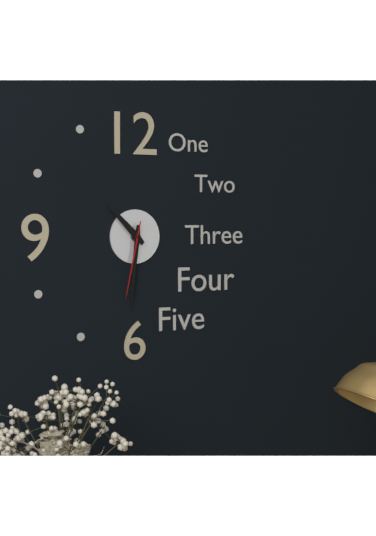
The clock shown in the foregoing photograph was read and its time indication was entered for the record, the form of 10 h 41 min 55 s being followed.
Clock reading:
10 h 31 min 32 s
